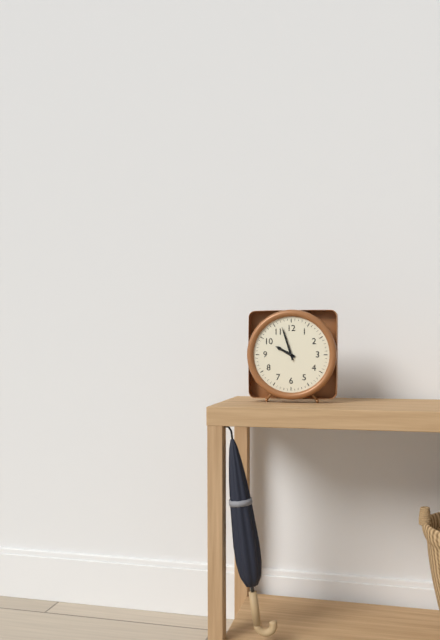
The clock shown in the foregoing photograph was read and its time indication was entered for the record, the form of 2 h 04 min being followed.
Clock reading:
9 h 57 min
